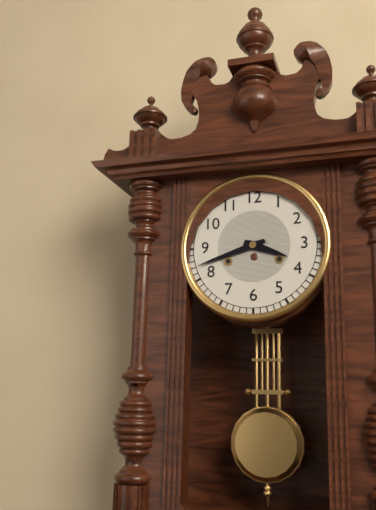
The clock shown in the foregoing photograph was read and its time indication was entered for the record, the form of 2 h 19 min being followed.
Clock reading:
3 h 42 min
